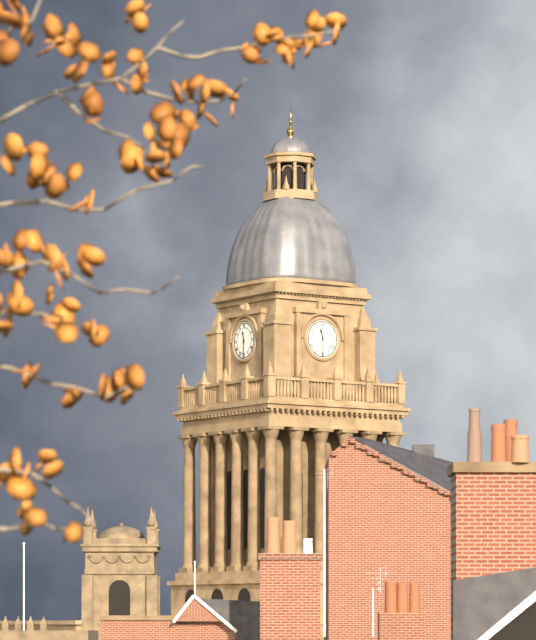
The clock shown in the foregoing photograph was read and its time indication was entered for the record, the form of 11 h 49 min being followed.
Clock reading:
11 h 30 min
